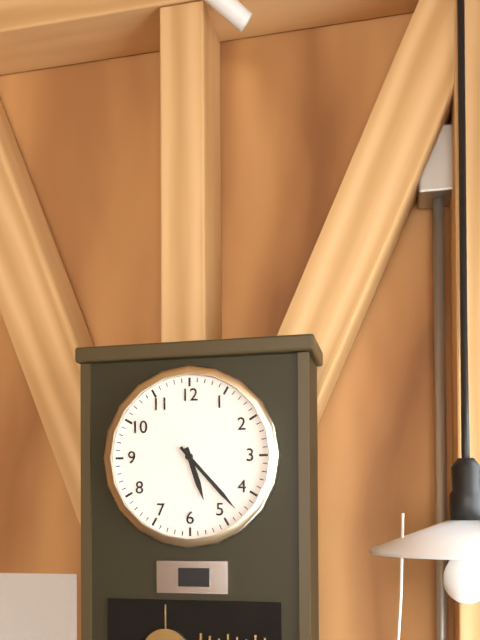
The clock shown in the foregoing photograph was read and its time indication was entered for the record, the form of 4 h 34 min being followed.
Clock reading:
5 h 23 min
